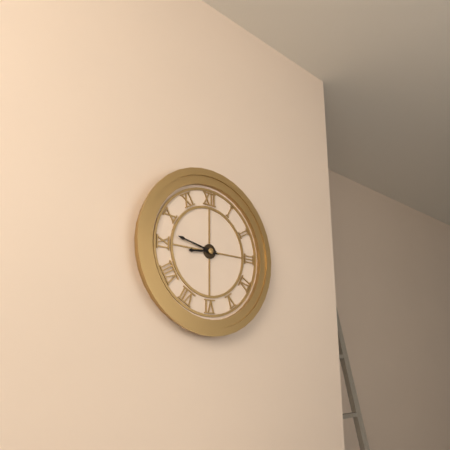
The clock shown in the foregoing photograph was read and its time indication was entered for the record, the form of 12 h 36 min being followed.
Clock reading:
8 h 47 min
